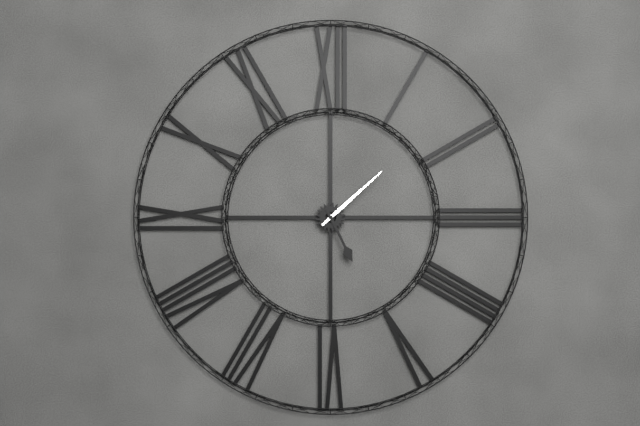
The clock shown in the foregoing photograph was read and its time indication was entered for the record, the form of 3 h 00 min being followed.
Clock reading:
5 h 08 min
